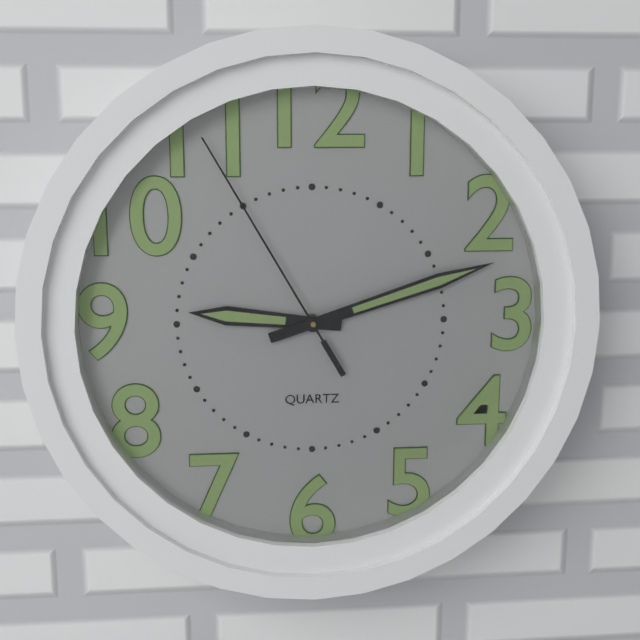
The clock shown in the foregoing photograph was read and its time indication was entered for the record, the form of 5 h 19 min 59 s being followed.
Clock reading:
9 h 12 min 55 s
